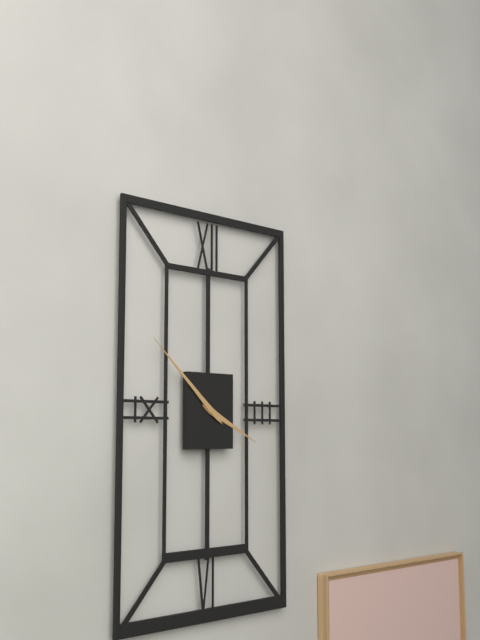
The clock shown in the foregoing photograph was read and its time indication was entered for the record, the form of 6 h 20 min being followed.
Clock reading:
3 h 52 min
